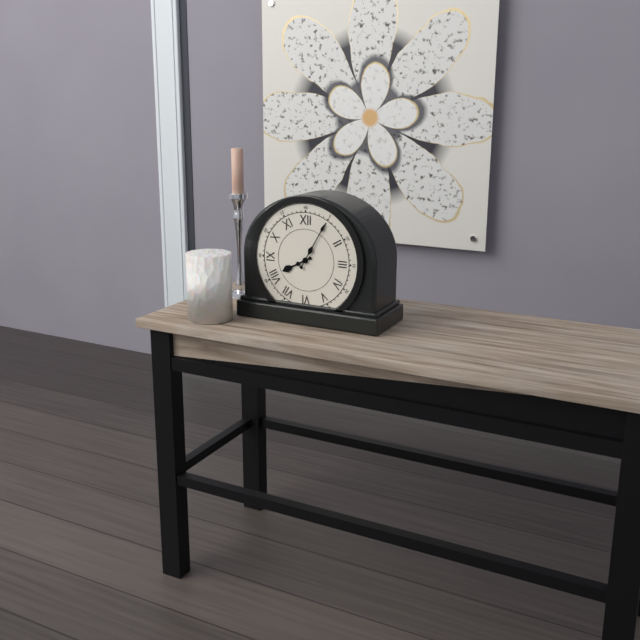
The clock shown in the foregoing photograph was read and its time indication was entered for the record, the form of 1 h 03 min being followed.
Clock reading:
8 h 05 min
